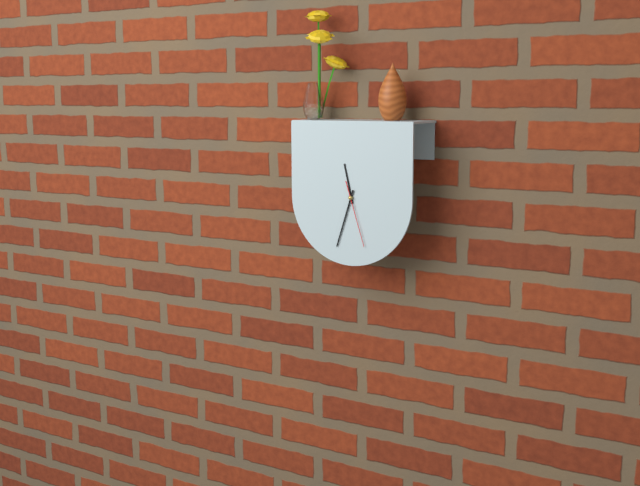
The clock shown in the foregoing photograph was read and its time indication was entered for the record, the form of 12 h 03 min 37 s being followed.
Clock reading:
11 h 33 min 27 s
